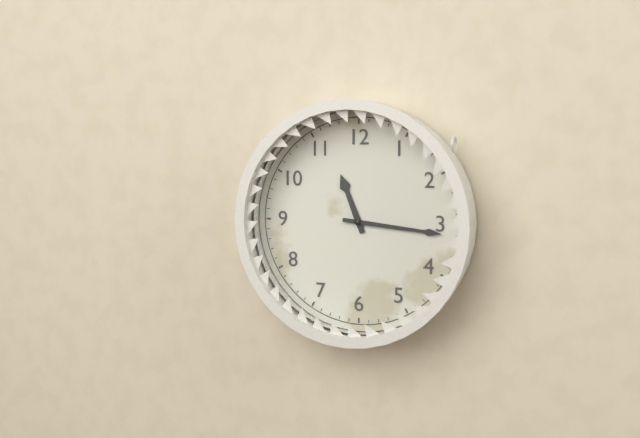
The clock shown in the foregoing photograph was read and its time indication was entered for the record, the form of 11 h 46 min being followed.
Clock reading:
11 h 16 min
